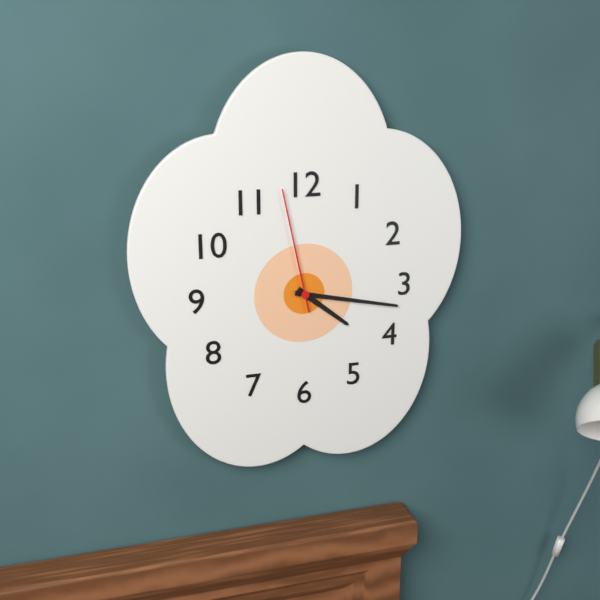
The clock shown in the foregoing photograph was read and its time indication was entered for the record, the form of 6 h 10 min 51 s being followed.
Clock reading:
4 h 17 min 58 s
